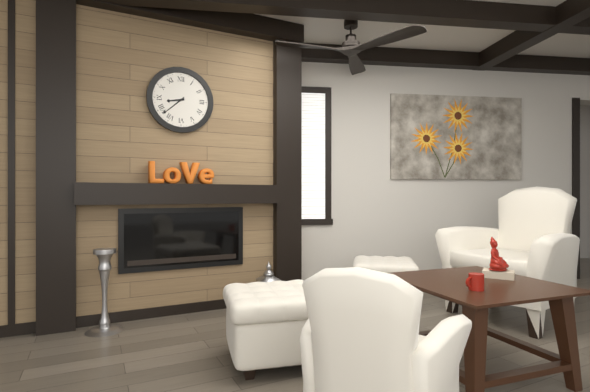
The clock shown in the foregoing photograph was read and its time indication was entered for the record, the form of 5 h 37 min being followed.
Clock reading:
8 h 38 min
